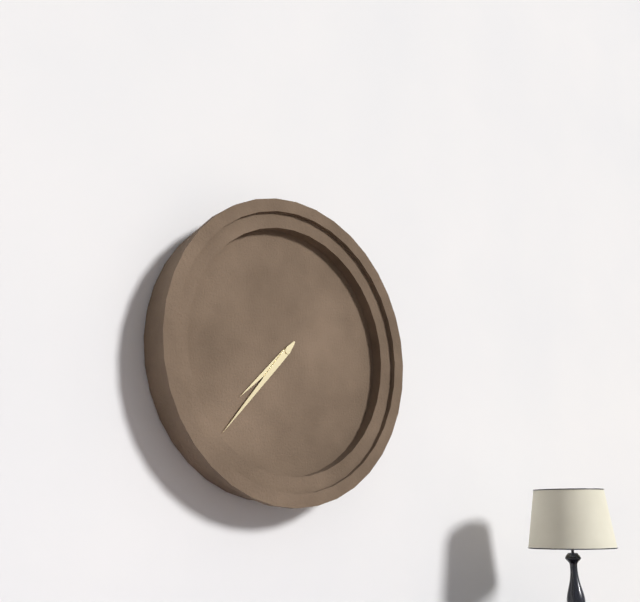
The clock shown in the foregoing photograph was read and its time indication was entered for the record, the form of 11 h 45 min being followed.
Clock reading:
7 h 37 min
